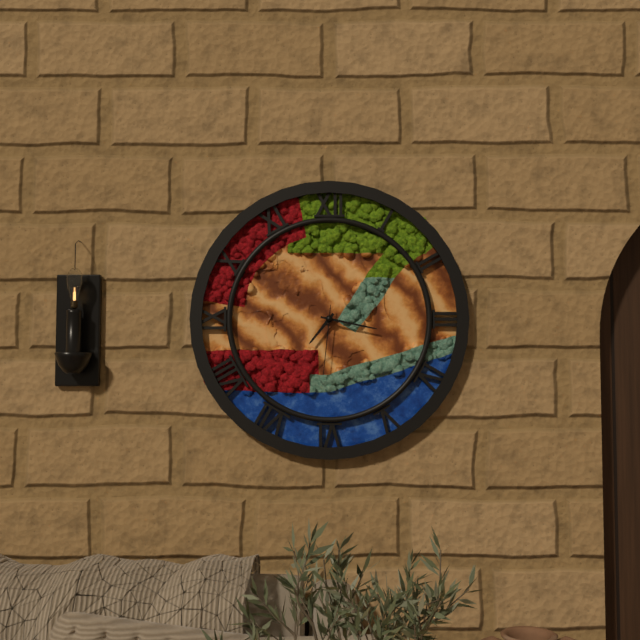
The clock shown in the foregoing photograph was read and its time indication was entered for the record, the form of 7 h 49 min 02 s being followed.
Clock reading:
7 h 17 min 31 s
